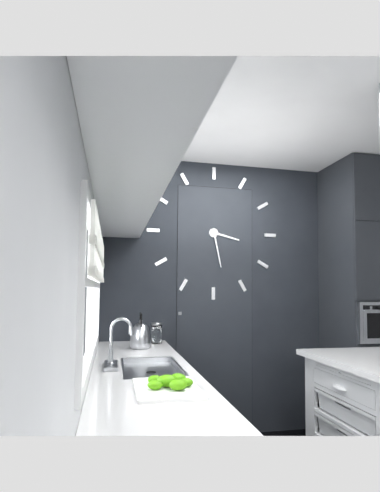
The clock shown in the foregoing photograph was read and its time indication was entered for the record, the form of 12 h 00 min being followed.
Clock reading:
3 h 28 min
